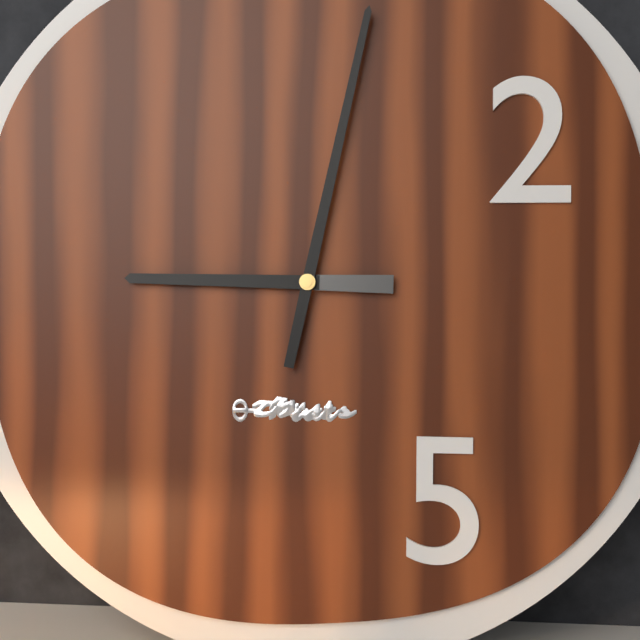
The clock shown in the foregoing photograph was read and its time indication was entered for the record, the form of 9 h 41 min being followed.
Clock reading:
9 h 02 min
